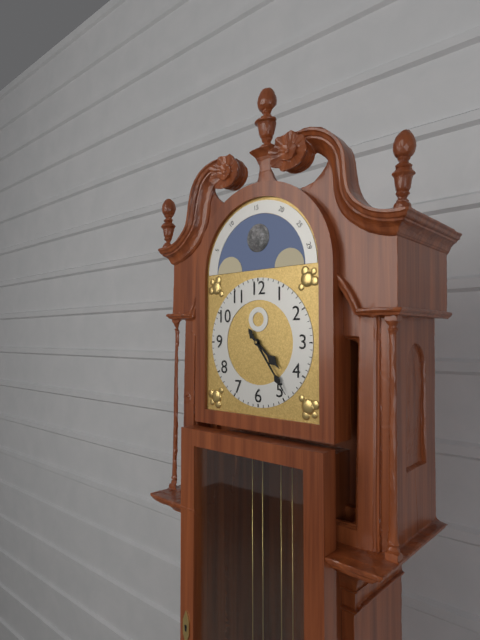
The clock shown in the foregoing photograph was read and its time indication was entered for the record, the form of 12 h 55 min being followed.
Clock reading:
4 h 24 min
